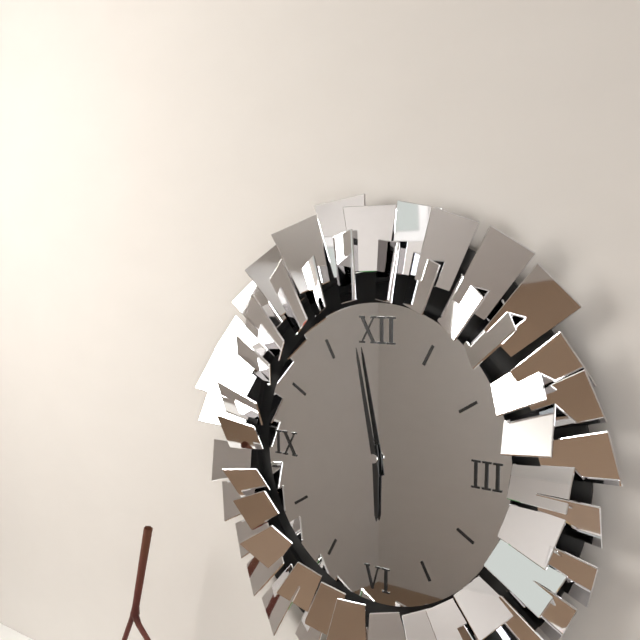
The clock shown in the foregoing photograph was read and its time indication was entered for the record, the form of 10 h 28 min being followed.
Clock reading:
5 h 58 min
